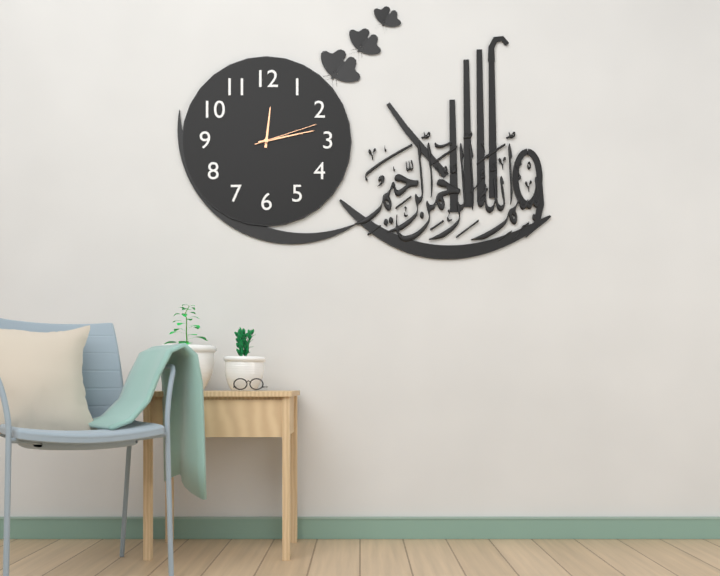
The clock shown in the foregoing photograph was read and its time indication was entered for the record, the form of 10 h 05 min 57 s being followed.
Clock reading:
12 h 13 min 12 s
